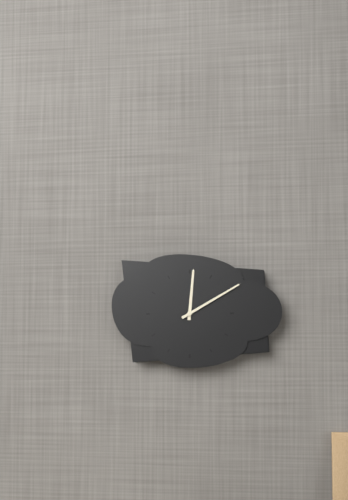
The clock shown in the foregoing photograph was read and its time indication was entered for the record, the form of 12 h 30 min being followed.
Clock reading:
12 h 10 min
